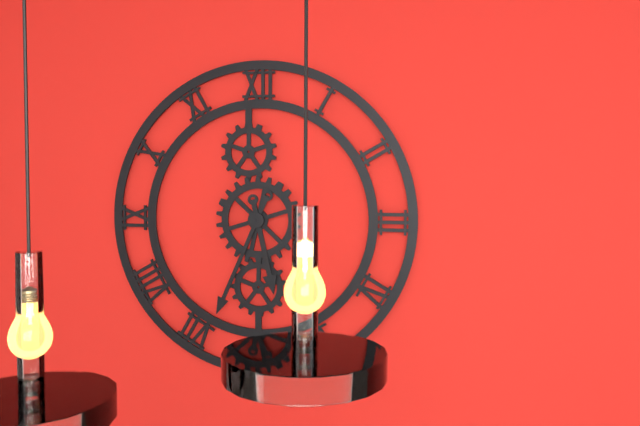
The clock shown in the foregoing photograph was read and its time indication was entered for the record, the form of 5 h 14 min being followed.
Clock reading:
5 h 34 min
